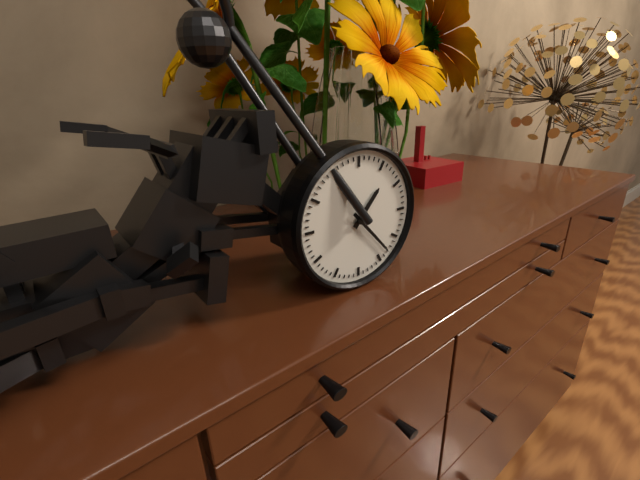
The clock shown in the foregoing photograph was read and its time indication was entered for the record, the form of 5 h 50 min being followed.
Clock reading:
1 h 23 min
